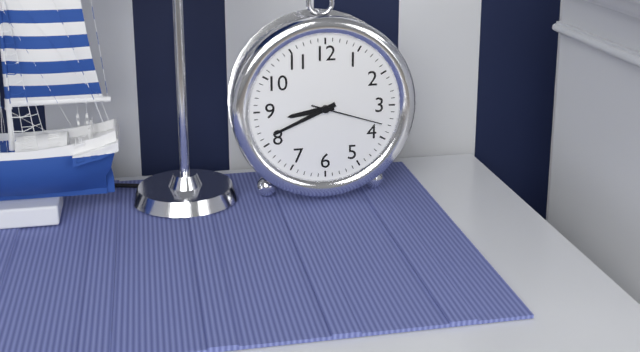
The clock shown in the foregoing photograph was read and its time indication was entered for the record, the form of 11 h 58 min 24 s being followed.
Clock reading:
8 h 41 min 18 s
